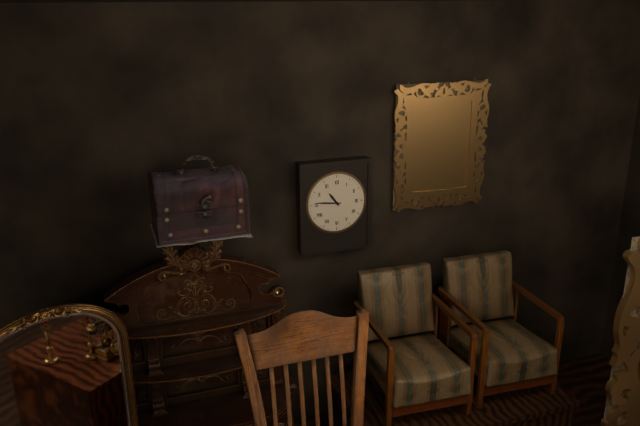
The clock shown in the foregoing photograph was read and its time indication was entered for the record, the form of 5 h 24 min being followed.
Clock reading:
10 h 46 min
